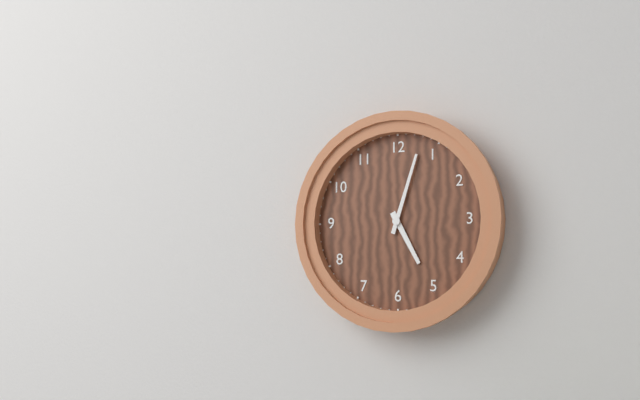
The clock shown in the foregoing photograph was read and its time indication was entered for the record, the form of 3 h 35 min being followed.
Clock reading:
5 h 03 min
